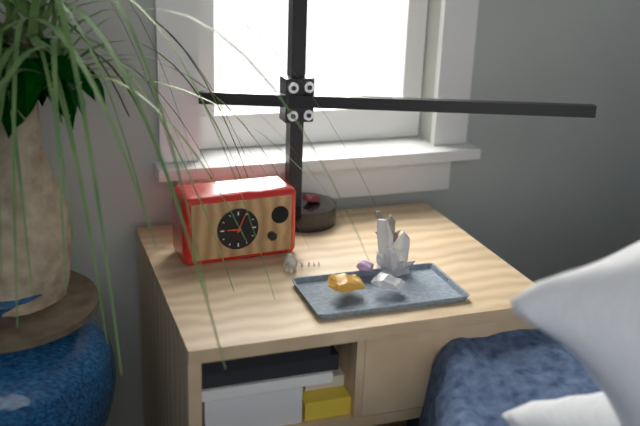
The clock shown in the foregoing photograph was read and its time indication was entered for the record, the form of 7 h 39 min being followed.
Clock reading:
9 h 04 min
